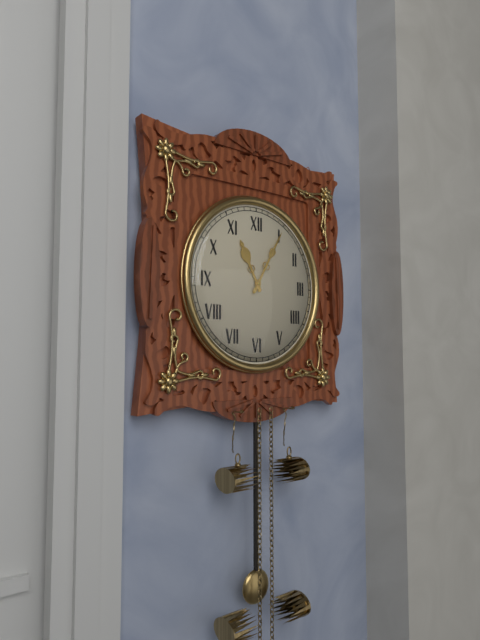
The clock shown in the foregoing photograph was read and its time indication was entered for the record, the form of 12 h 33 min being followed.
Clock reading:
11 h 05 min
